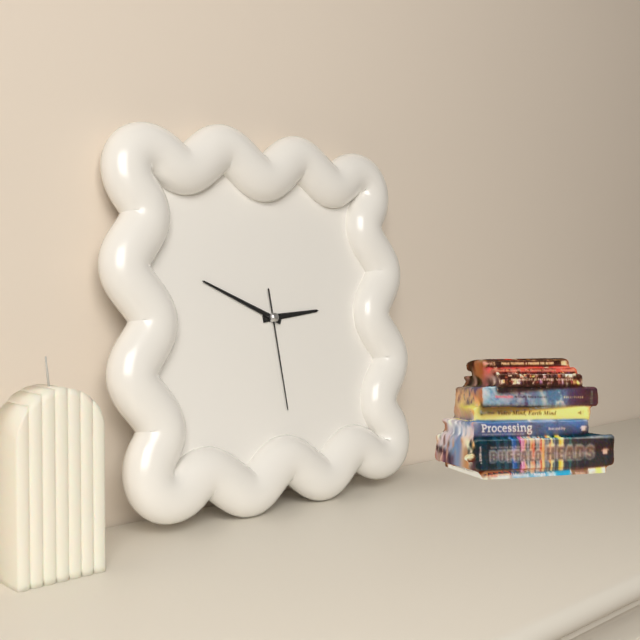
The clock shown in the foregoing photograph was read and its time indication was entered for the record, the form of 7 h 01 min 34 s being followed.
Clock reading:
2 h 49 min 29 s
